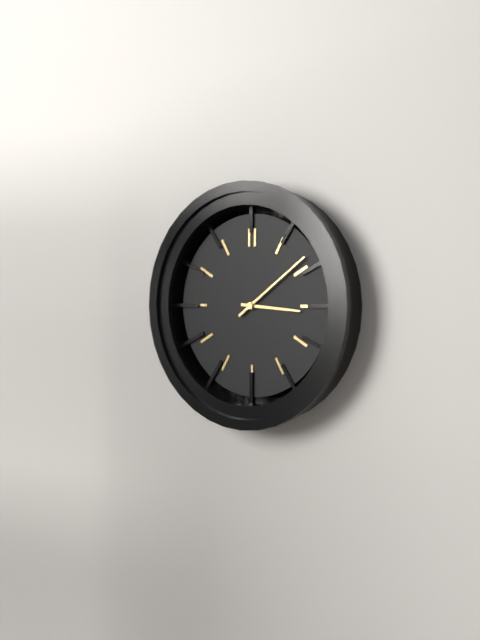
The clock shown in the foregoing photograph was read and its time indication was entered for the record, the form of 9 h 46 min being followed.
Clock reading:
3 h 09 min
